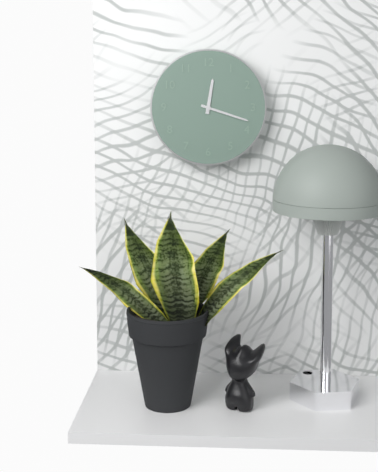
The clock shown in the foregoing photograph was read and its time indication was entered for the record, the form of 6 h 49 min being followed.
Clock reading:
12 h 18 min
